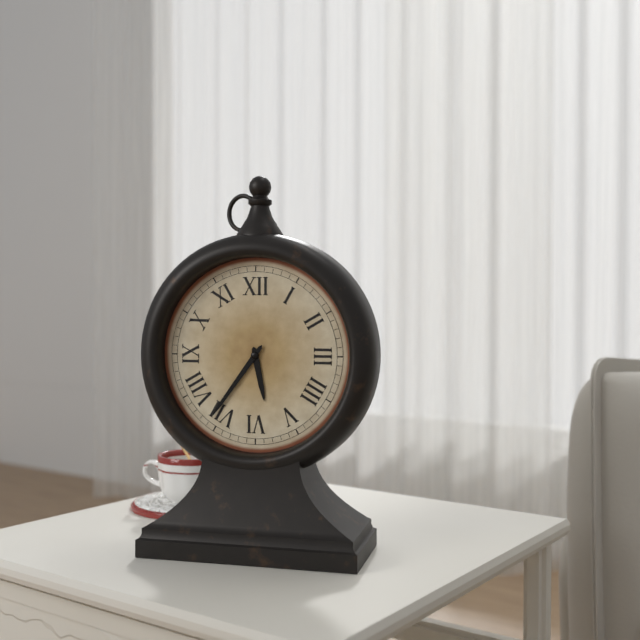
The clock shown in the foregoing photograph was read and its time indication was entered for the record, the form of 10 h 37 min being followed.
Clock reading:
5 h 36 min
